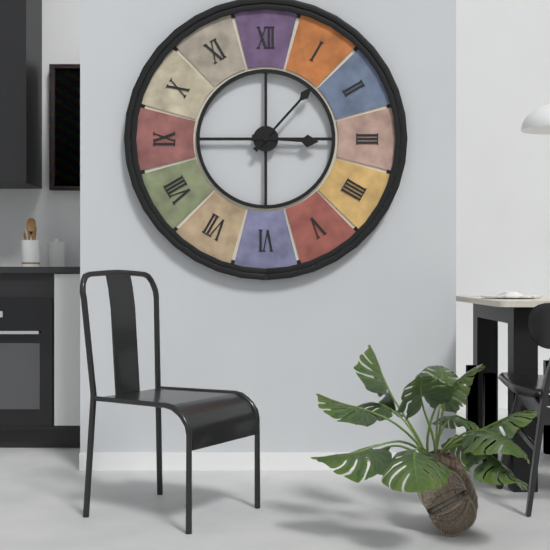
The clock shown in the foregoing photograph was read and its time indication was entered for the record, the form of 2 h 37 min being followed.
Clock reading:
3 h 07 min
